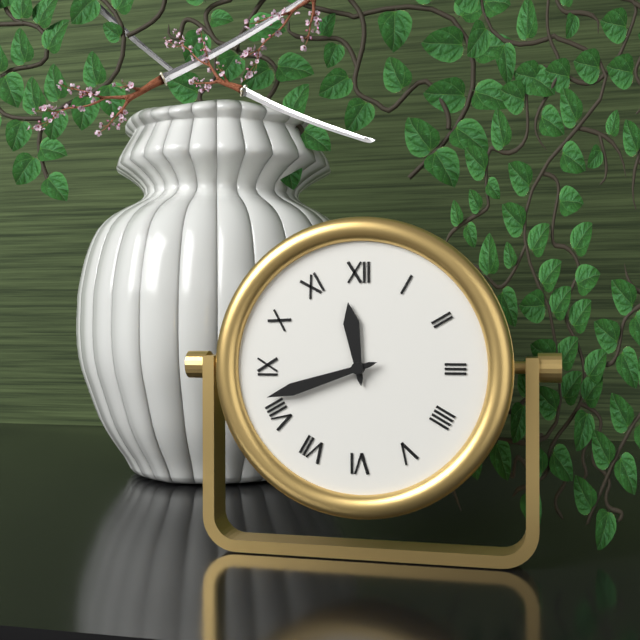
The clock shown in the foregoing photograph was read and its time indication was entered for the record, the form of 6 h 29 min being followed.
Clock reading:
11 h 42 min
